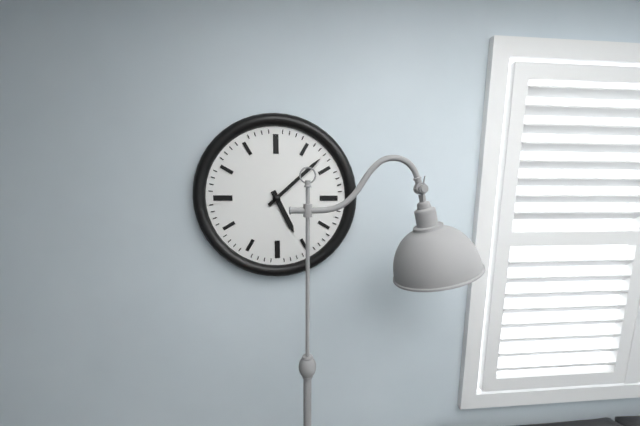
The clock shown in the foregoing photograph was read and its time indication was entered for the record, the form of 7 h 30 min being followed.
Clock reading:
5 h 08 min
